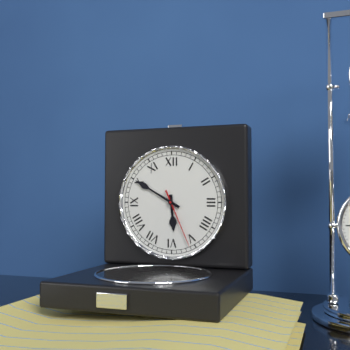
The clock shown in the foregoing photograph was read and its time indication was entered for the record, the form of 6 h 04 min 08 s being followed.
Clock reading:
5 h 50 min 26 s
